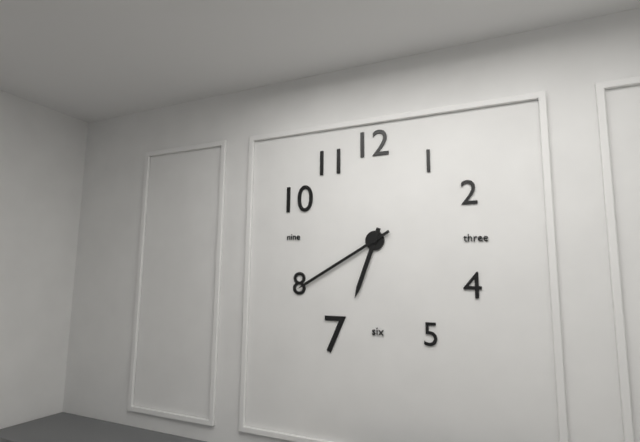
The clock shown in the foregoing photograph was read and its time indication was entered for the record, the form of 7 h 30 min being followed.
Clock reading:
6 h 40 min
